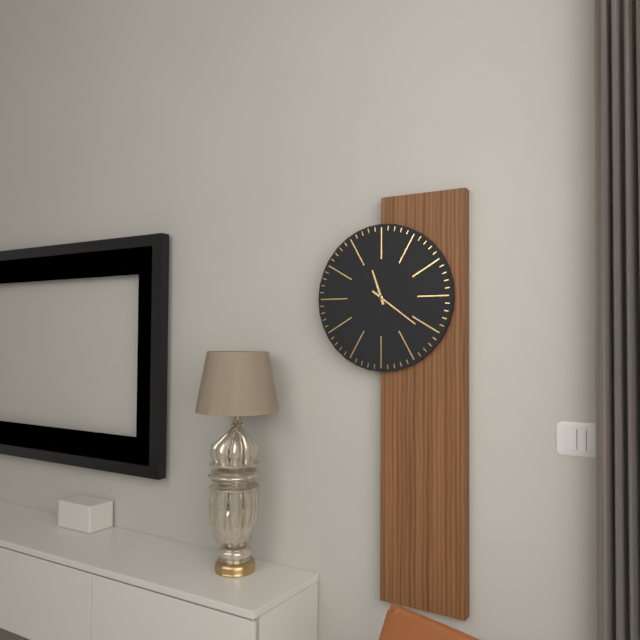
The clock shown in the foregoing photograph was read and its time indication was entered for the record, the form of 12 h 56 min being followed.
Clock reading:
11 h 21 min
